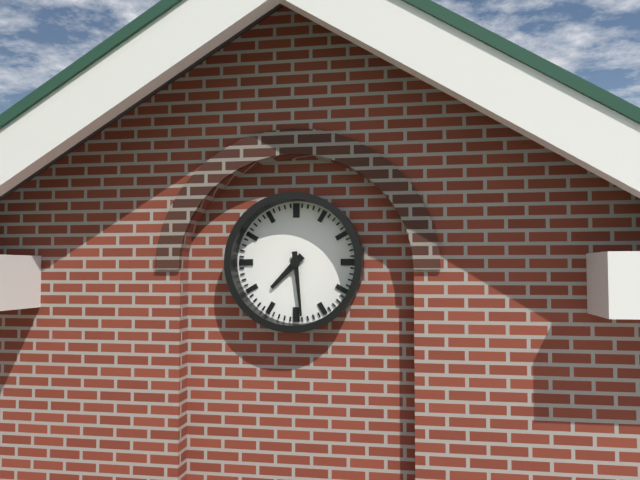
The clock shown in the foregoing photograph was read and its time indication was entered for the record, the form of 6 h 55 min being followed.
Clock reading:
7 h 29 min
